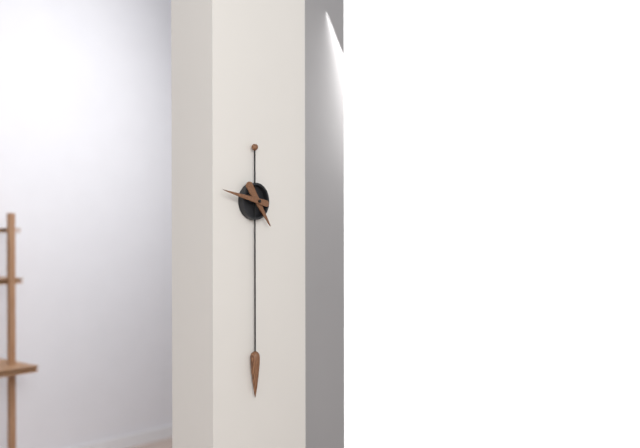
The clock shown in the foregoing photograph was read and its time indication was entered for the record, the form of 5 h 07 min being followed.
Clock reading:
4 h 47 min
